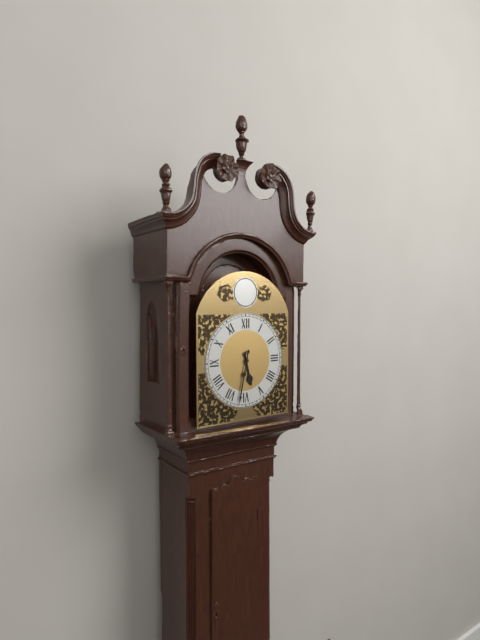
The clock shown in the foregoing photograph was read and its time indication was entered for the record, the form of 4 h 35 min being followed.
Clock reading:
5 h 32 min
